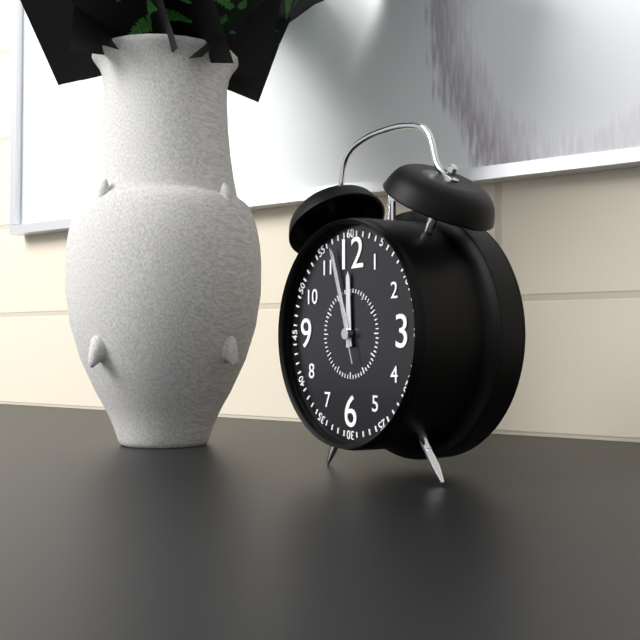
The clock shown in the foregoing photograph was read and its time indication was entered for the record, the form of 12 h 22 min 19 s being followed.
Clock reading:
11 h 57 min 57 s
